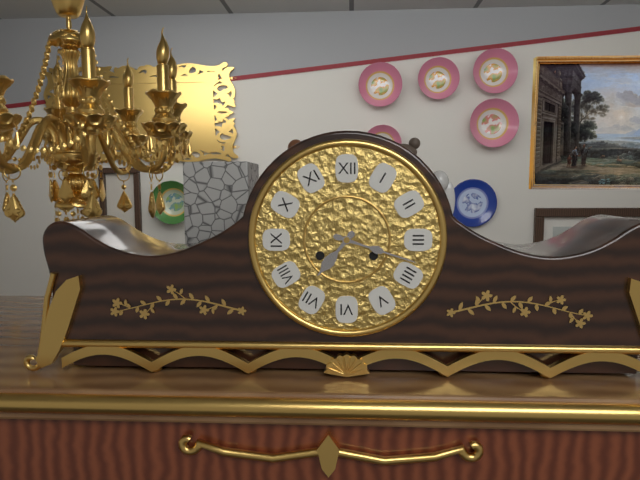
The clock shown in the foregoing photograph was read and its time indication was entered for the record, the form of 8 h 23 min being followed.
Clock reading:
7 h 18 min
